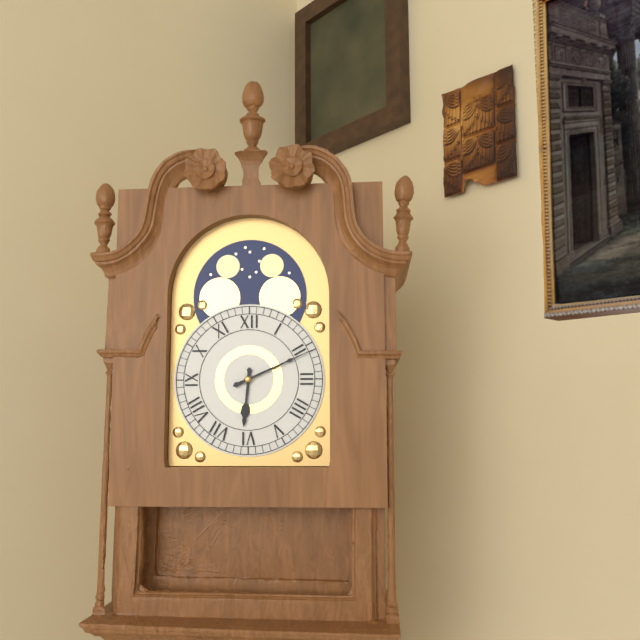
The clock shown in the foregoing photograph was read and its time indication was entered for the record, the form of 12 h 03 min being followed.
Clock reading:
6 h 11 min
